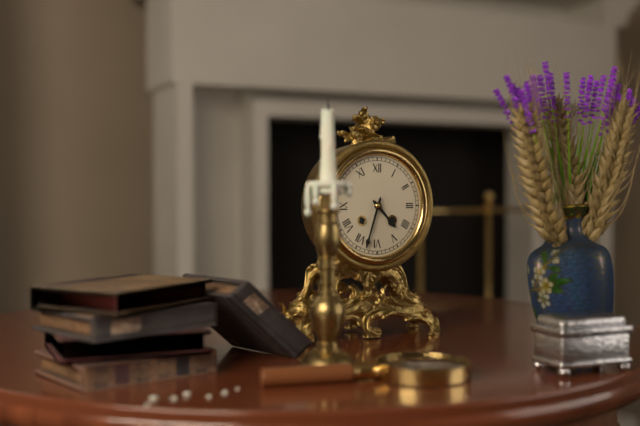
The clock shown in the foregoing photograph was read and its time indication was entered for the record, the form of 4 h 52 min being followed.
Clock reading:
4 h 33 min
